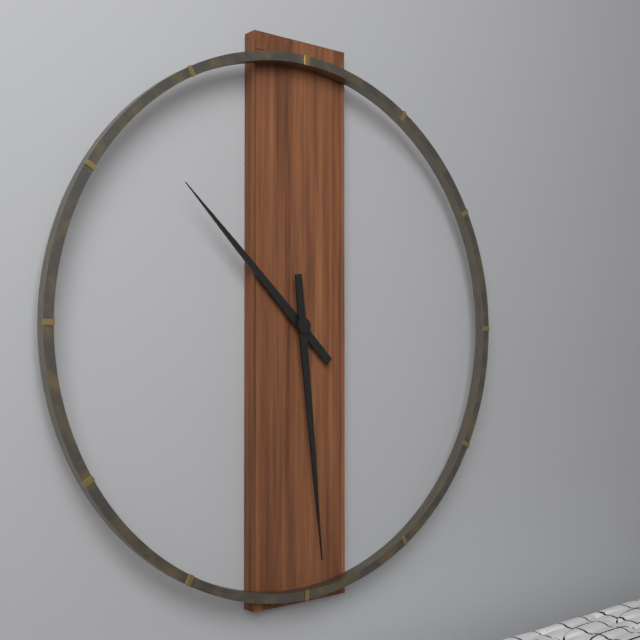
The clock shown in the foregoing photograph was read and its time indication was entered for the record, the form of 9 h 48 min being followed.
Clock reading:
10 h 29 min
